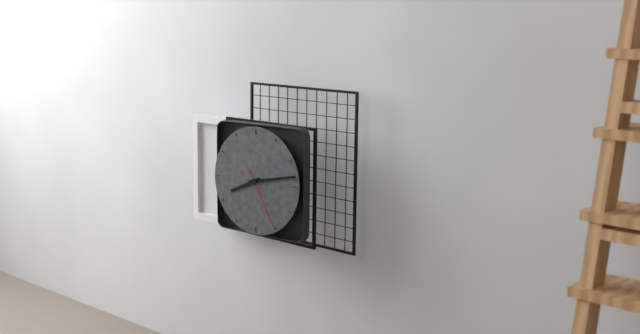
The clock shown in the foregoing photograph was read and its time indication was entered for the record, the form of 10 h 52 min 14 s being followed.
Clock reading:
8 h 13 min 25 s
